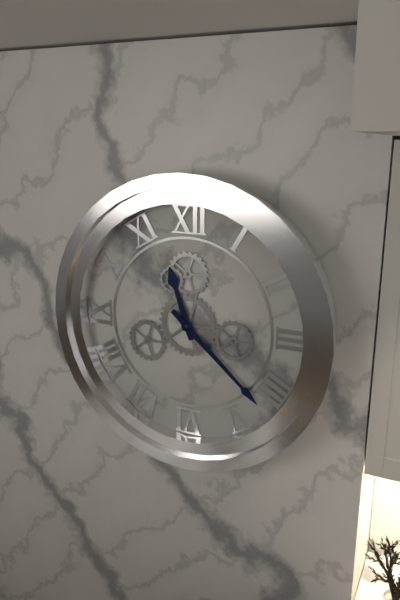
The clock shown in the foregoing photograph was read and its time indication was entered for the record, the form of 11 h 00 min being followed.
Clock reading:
11 h 22 min
